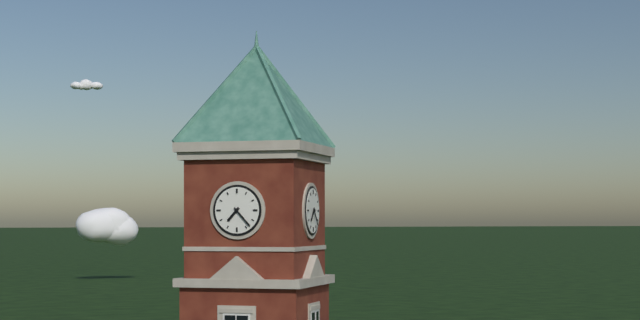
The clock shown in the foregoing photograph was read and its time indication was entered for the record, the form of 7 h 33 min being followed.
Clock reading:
7 h 23 min
